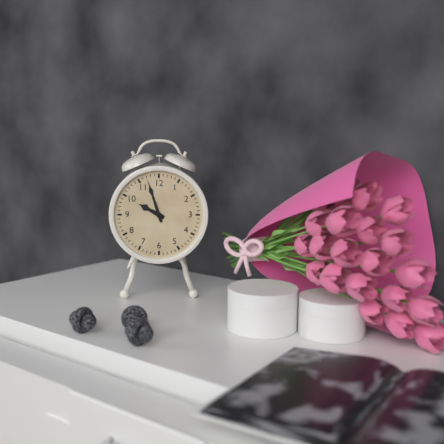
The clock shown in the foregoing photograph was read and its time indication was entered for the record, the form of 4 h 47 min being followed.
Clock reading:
9 h 57 min
